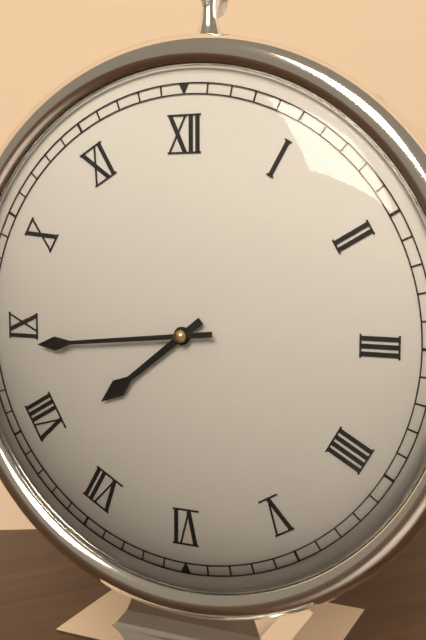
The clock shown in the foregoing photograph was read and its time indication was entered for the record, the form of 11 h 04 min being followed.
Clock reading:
7 h 44 min
